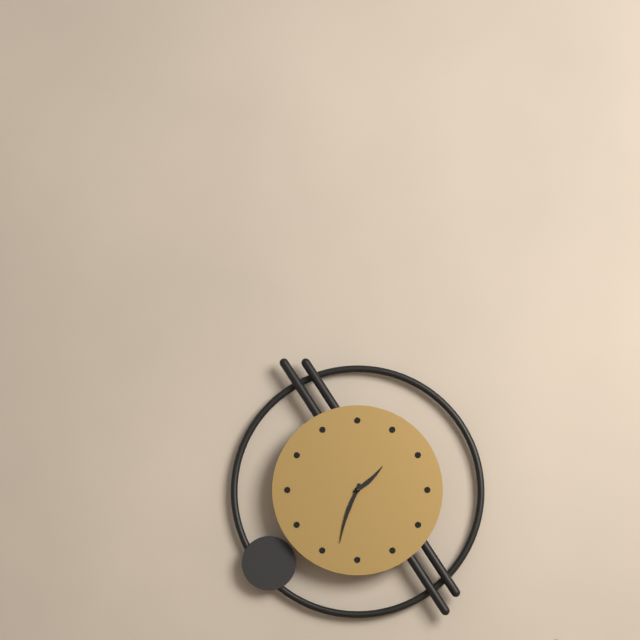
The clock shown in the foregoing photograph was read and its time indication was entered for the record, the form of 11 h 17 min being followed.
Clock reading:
1 h 33 min
